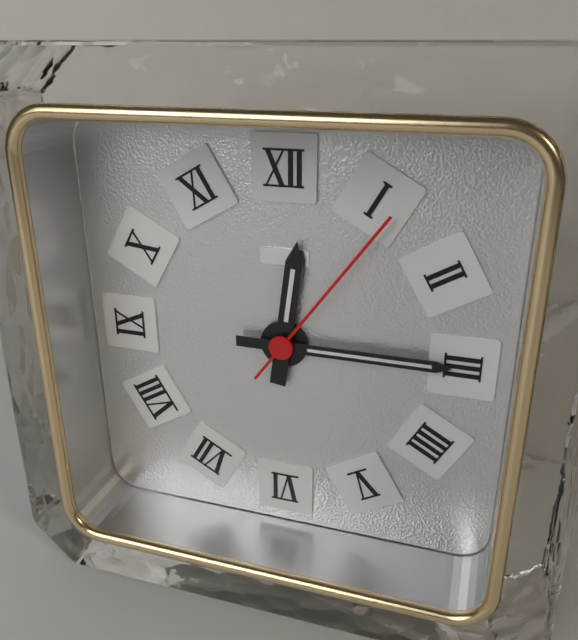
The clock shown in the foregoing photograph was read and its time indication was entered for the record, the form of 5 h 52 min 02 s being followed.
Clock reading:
12 h 15 min 06 s
